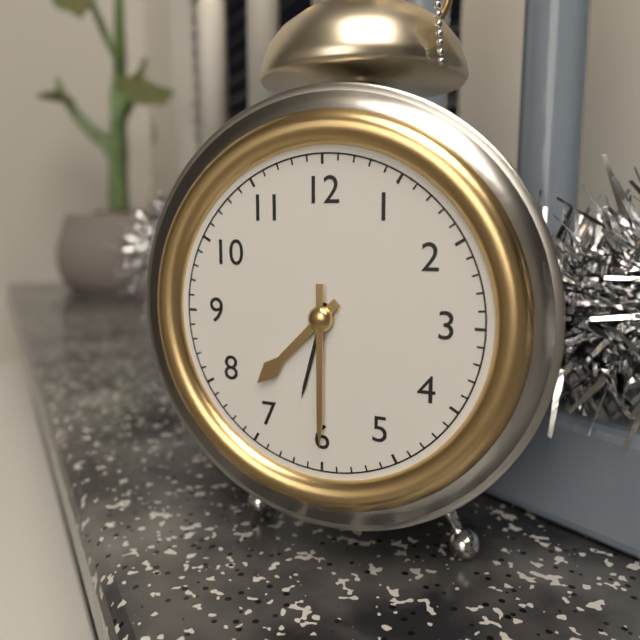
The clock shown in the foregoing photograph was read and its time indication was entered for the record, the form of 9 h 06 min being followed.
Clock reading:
7 h 30 min
